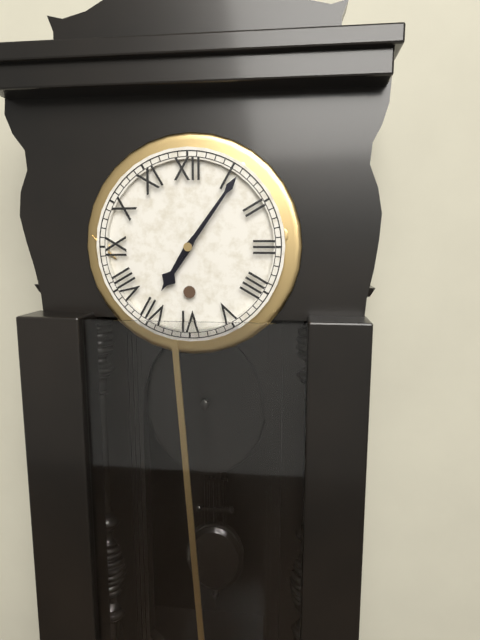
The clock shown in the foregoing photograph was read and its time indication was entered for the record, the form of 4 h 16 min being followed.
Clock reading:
7 h 06 min
